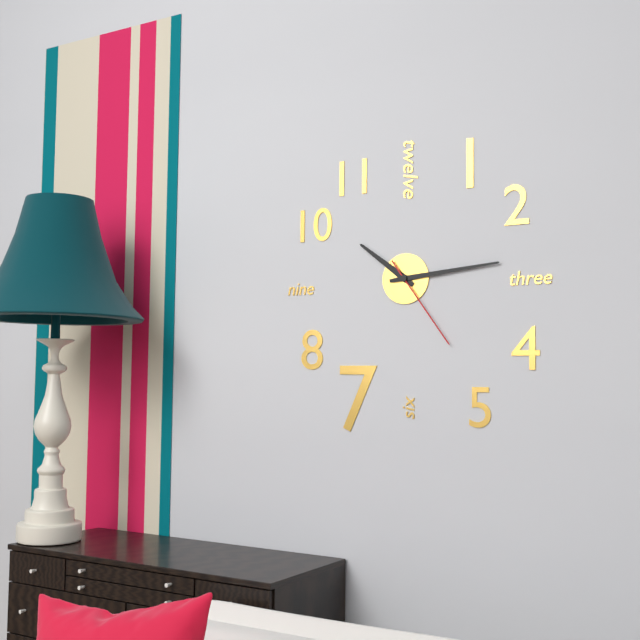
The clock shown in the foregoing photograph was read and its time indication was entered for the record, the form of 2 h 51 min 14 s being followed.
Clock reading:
10 h 14 min 24 s
